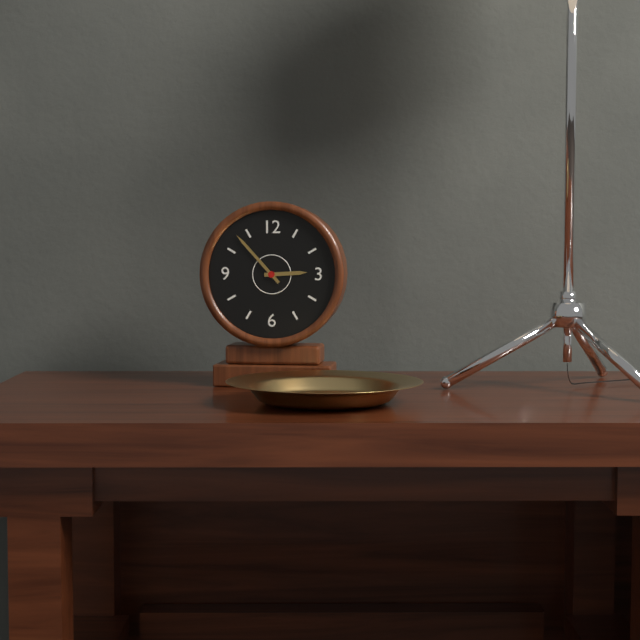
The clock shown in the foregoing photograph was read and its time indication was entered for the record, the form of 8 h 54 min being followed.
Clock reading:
2 h 53 min
